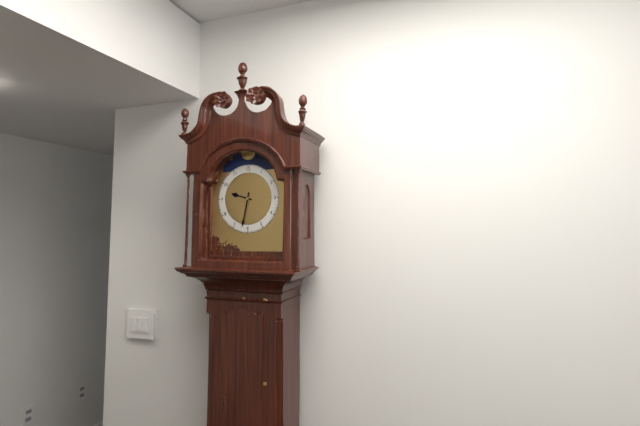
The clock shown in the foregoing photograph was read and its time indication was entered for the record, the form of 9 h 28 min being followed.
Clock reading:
9 h 32 min
